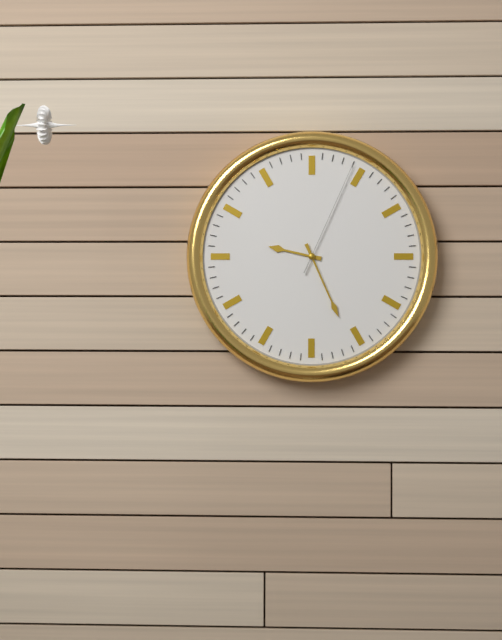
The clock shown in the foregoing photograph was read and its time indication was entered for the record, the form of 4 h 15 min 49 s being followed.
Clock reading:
9 h 26 min 04 s
